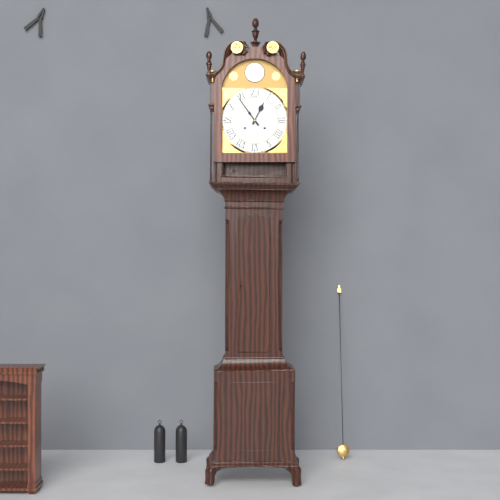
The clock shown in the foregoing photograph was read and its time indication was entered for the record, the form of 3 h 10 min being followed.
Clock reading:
12 h 54 min
